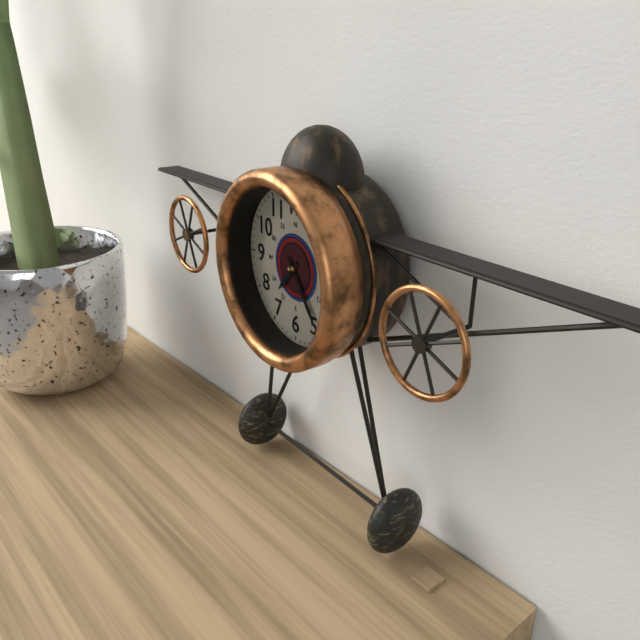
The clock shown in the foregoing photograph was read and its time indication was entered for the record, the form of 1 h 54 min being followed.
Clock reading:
7 h 24 min
